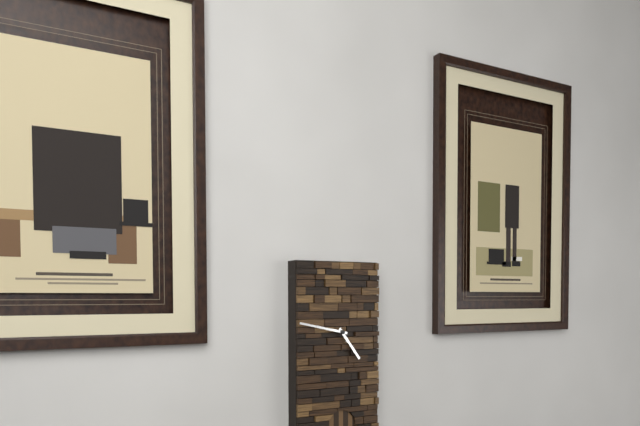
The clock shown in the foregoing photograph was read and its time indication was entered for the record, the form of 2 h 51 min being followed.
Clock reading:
4 h 47 min
